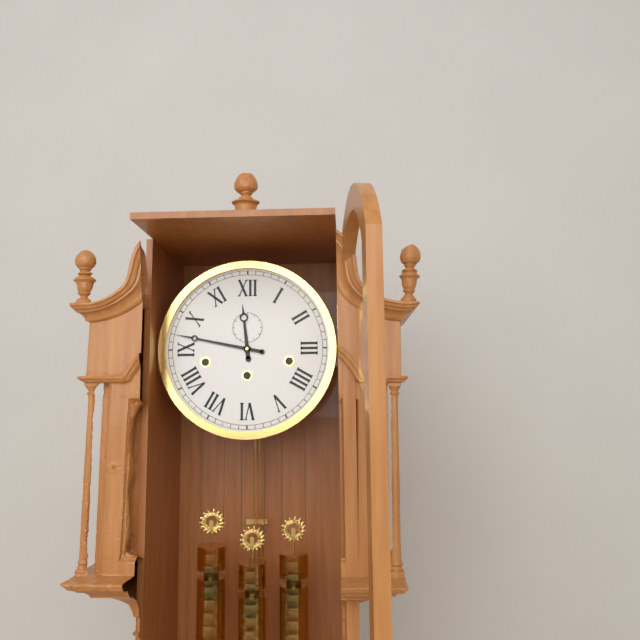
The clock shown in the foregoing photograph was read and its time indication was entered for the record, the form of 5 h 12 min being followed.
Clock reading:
11 h 47 min
